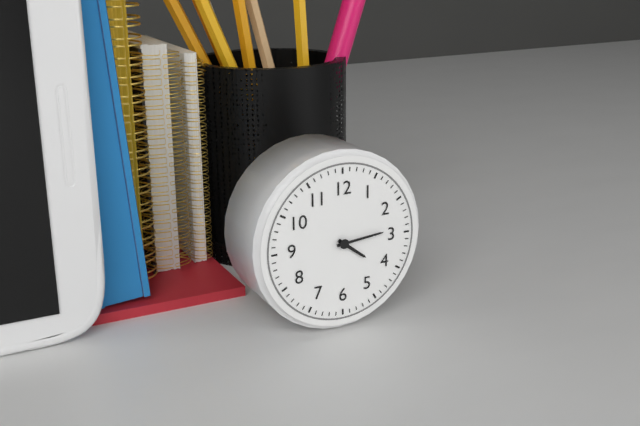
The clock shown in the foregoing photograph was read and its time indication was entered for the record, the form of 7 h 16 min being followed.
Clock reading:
4 h 14 min
